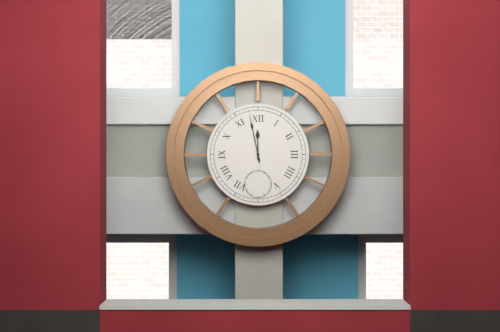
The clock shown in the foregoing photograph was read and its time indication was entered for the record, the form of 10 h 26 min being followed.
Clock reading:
11 h 58 min
